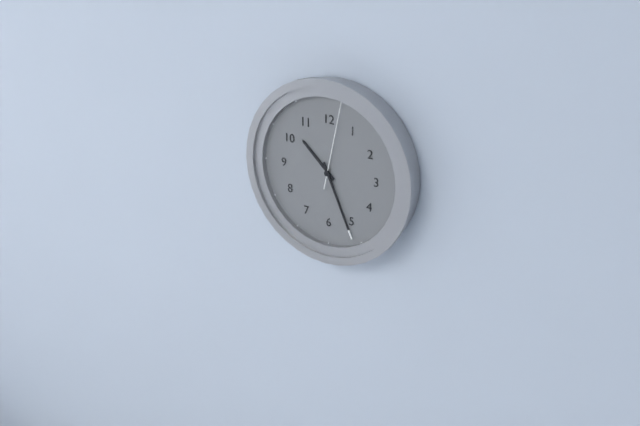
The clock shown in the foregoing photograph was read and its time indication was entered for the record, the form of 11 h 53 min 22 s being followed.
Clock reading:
10 h 26 min 02 s
